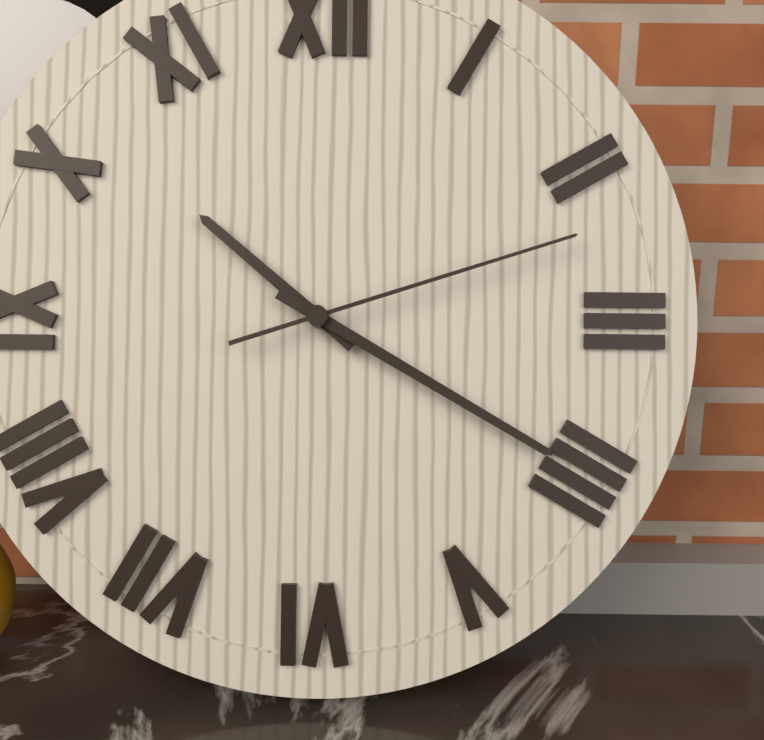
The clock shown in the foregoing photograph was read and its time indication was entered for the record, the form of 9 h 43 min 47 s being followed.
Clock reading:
10 h 20 min 12 s
